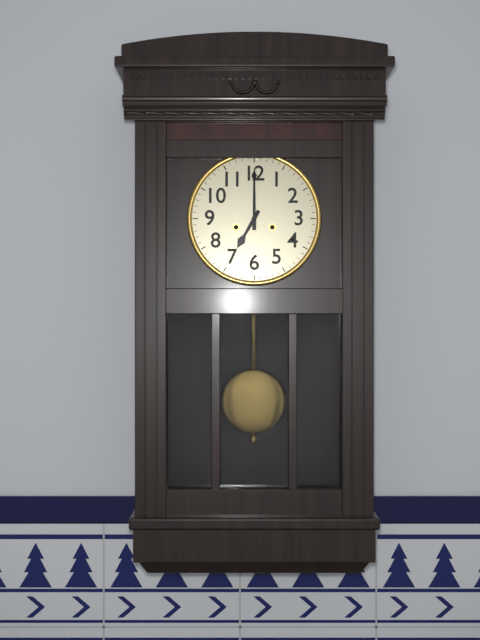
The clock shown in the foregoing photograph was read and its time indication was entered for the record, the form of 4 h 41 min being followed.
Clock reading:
7 h 00 min
